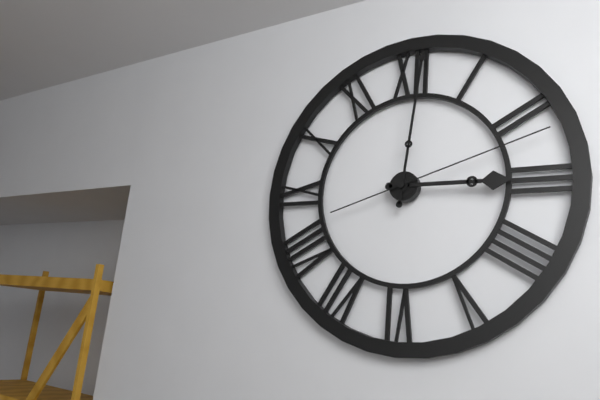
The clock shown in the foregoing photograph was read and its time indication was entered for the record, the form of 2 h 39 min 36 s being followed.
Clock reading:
3 h 01 min 12 s
